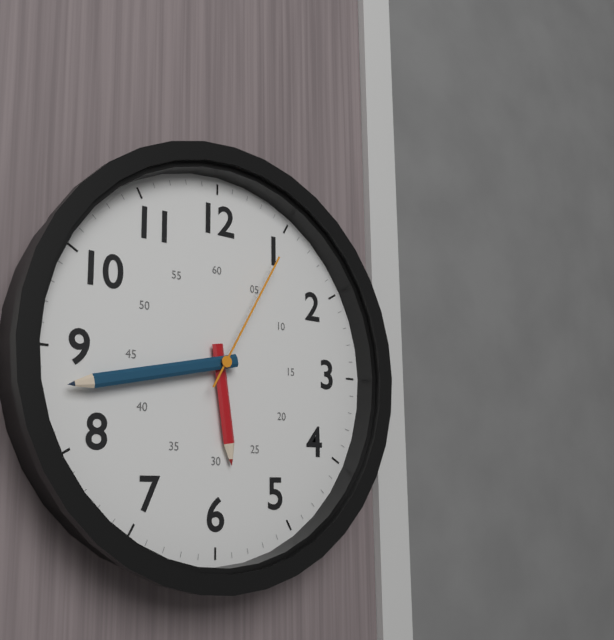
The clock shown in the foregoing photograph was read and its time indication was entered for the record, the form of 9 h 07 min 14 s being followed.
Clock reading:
5 h 43 min 05 s
